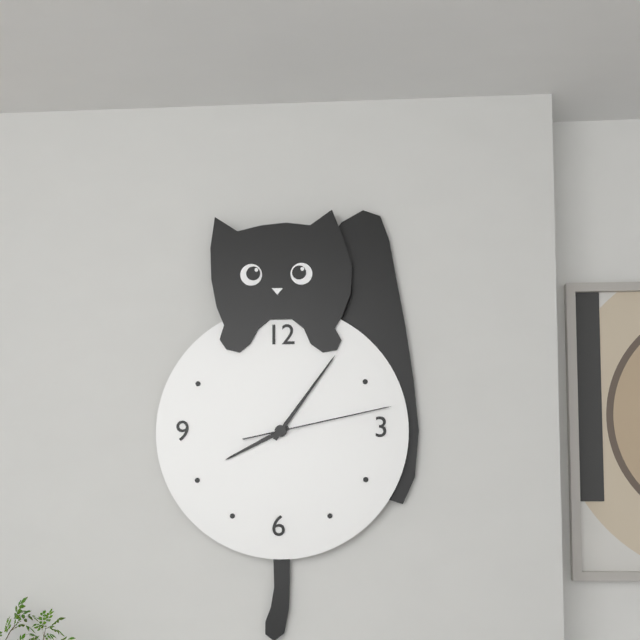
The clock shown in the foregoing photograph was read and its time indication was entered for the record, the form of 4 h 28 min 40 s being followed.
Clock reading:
8 h 06 min 13 s
